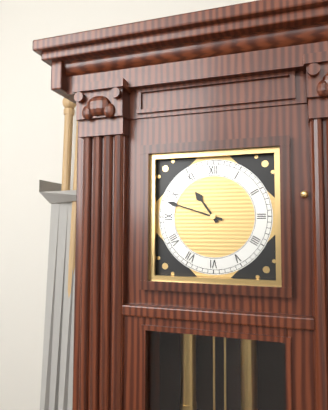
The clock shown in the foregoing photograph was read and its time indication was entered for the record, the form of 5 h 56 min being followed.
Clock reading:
10 h 48 min
